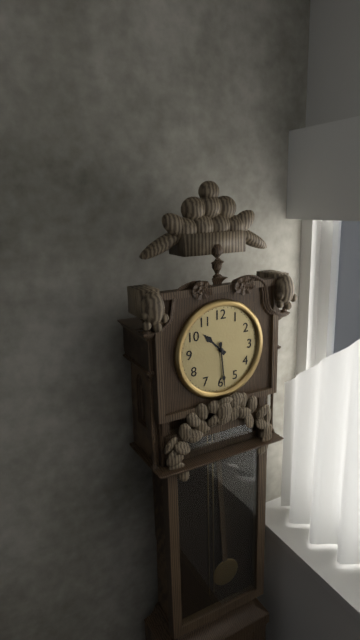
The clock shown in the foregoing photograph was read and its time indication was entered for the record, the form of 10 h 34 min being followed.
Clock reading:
10 h 29 min
